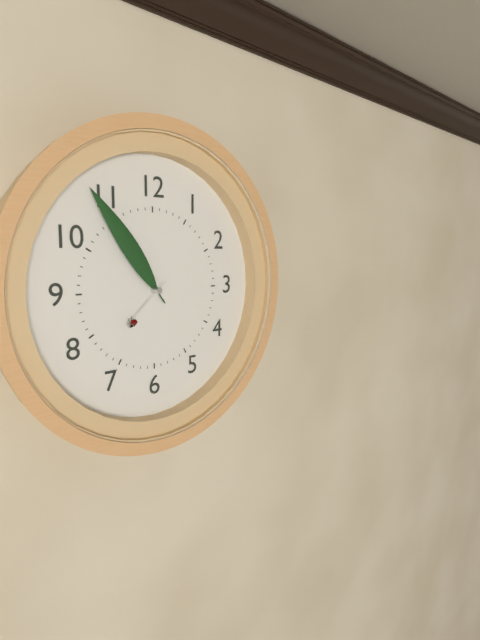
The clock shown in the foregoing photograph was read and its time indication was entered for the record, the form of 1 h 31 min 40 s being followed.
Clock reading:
10 h 54 min 38 s
